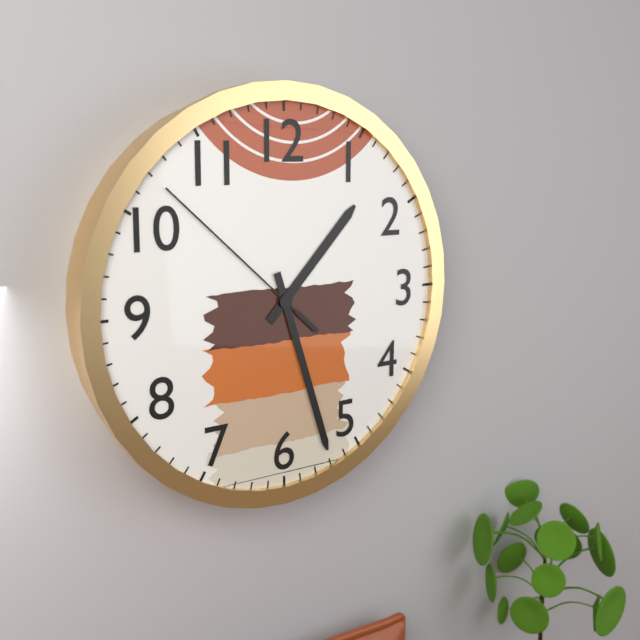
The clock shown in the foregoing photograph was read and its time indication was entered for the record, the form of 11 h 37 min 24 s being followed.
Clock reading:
1 h 27 min 52 s
